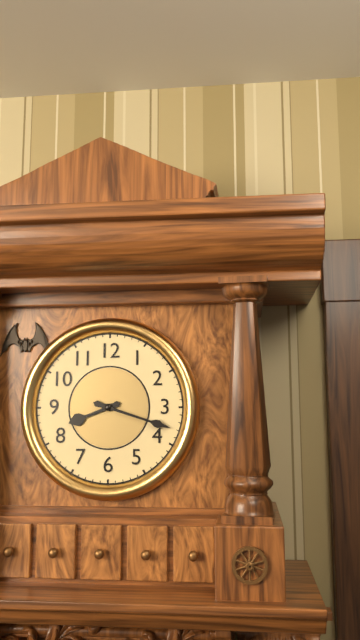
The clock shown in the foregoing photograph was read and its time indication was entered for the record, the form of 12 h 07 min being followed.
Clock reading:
8 h 18 min
